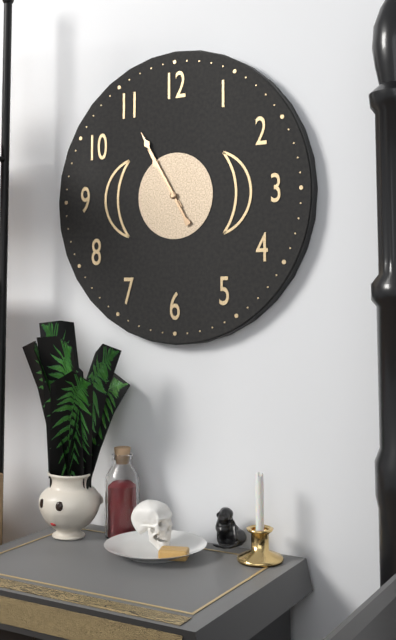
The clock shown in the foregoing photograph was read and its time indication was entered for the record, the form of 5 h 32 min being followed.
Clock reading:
10 h 55 min
